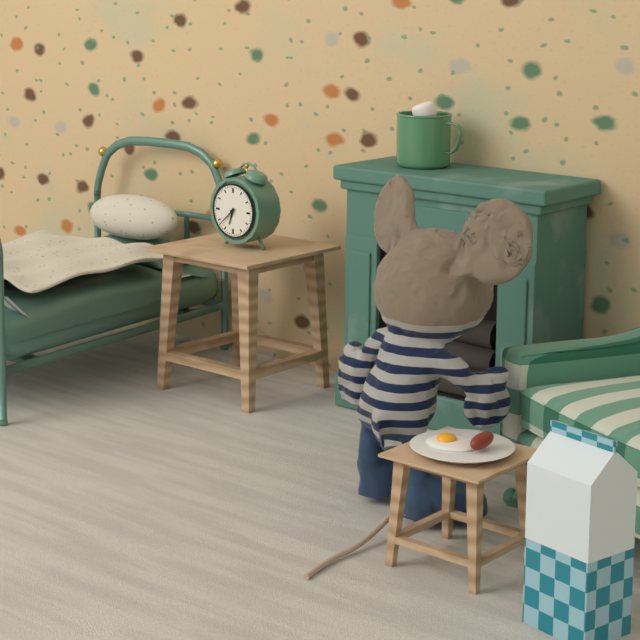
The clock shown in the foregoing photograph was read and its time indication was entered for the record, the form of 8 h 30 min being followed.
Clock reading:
6 h 38 min
